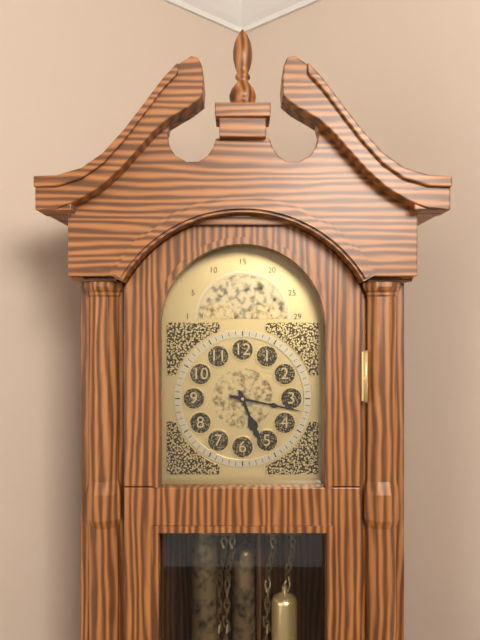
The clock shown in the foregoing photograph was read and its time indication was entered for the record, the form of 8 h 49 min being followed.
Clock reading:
5 h 17 min
